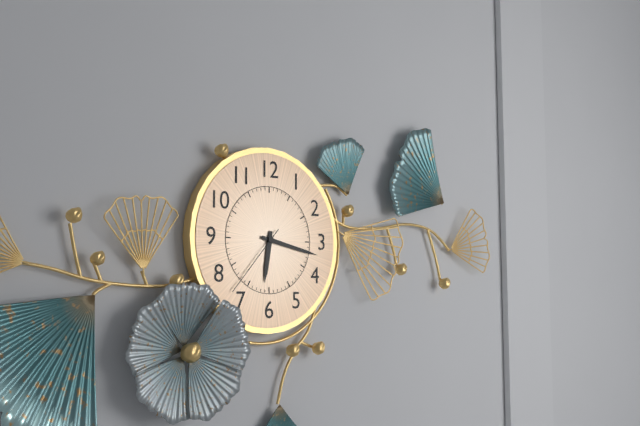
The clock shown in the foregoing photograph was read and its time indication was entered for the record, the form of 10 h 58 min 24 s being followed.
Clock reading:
6 h 17 min 37 s
